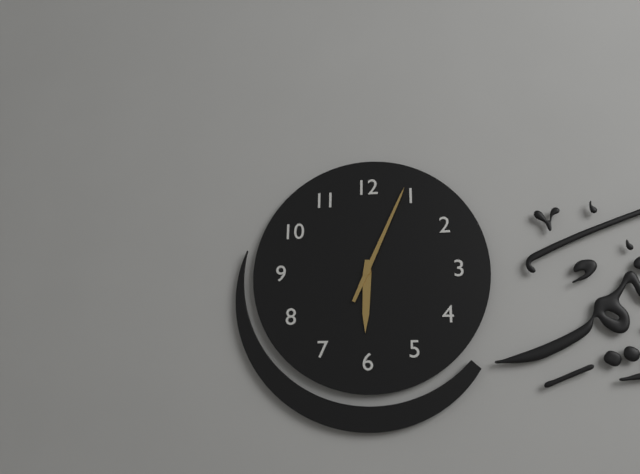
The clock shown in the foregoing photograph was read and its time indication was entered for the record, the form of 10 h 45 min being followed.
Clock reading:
6 h 04 min
